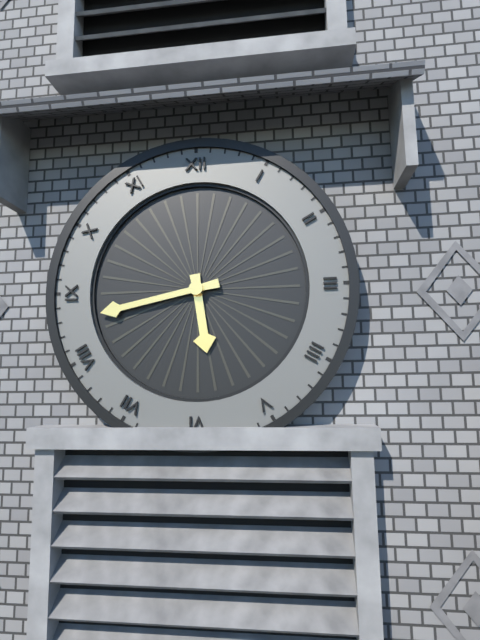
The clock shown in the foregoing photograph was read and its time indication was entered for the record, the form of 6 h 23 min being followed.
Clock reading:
5 h 43 min
